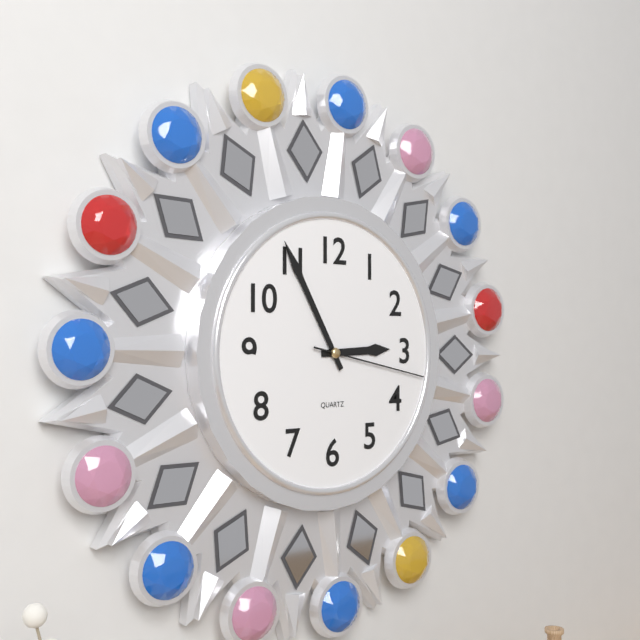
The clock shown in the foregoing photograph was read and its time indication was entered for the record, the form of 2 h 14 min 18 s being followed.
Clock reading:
2 h 55 min 17 s
